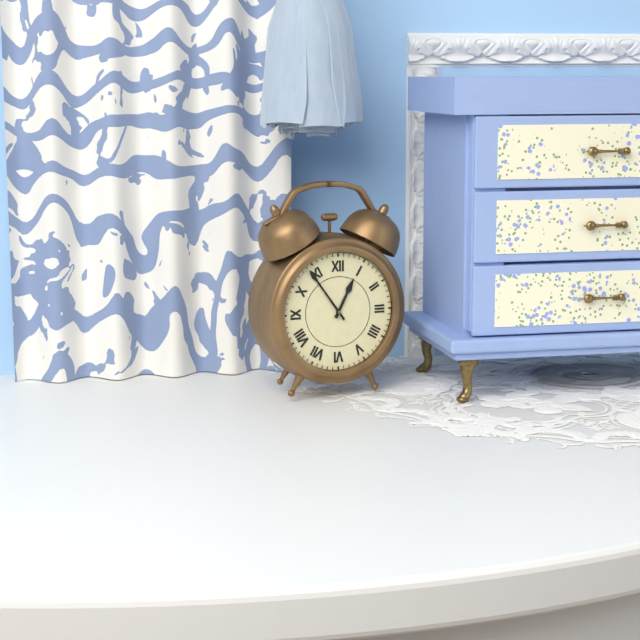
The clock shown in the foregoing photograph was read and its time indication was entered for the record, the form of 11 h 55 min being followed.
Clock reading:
12 h 54 min
